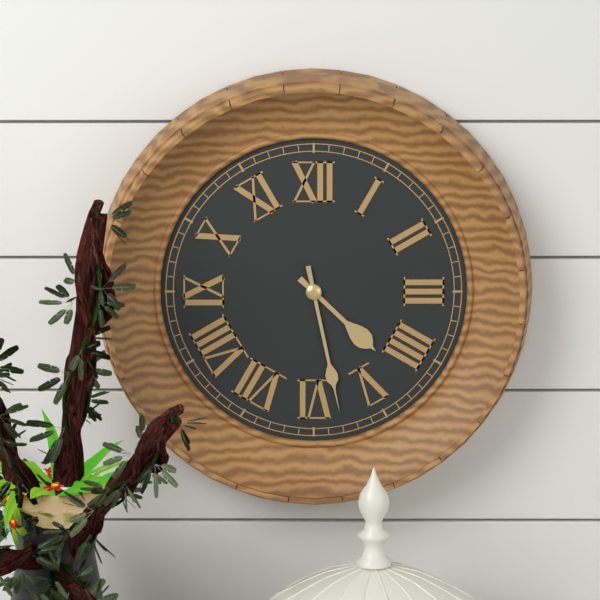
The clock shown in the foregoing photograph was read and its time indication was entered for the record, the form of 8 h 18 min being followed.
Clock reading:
4 h 28 min
